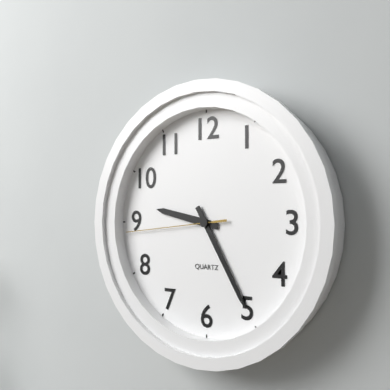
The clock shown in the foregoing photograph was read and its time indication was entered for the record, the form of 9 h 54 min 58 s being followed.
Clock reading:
9 h 25 min 44 s
